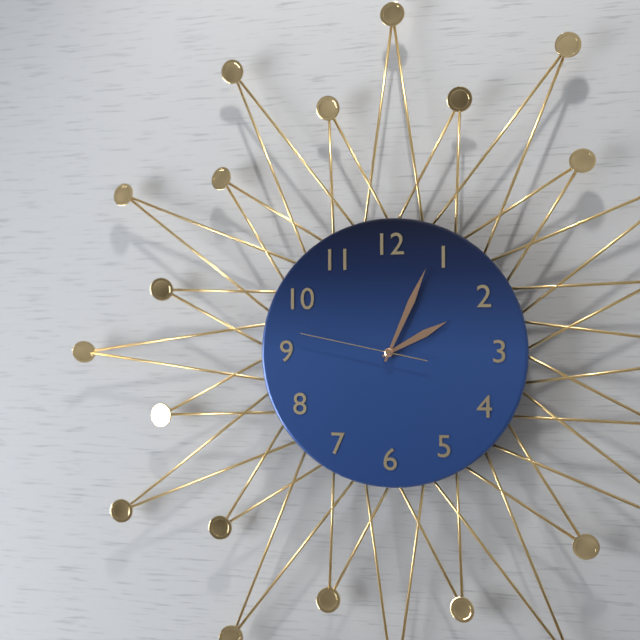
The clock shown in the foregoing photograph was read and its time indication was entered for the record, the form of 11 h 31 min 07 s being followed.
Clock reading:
2 h 04 min 47 s
